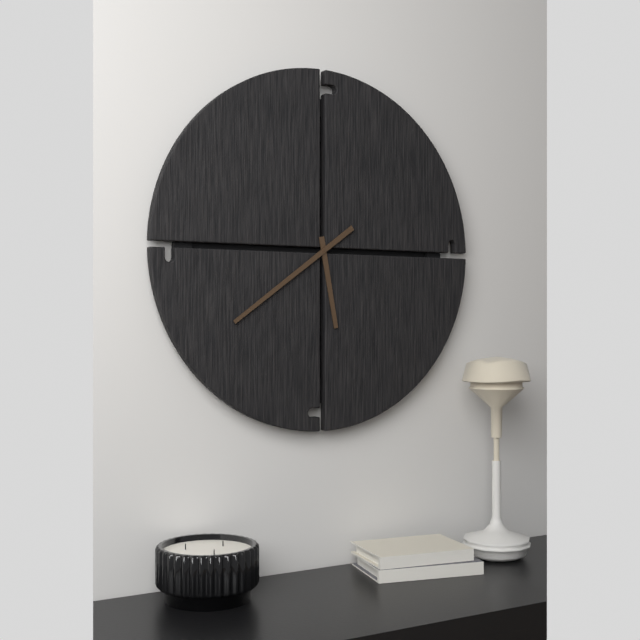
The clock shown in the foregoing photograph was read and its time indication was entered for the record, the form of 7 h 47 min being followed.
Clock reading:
5 h 39 min
